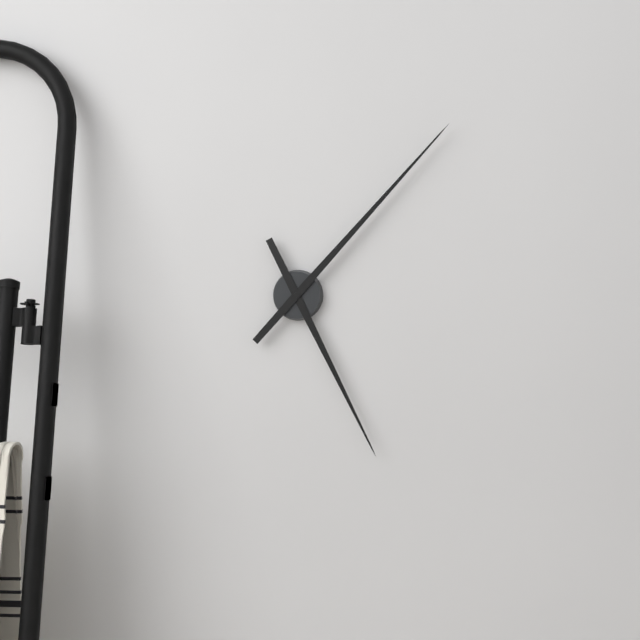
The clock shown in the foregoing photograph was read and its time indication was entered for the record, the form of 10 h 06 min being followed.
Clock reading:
5 h 07 min
